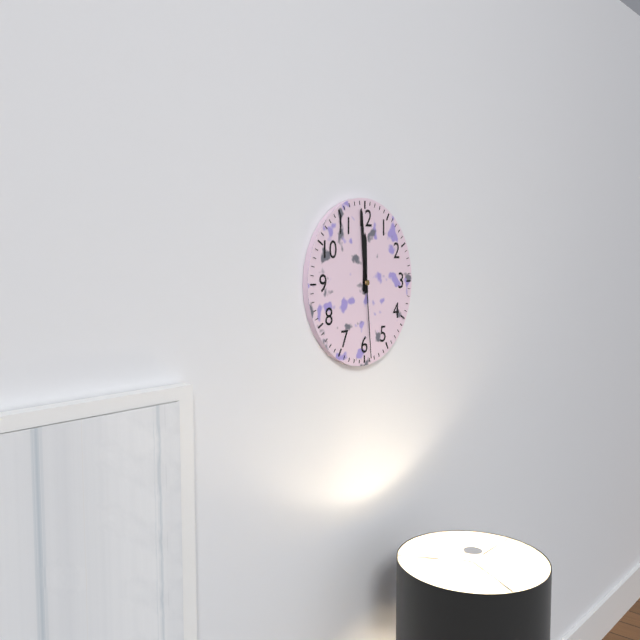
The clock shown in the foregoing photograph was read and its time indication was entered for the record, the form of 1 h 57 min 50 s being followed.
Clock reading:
11 h 59 min 29 s
